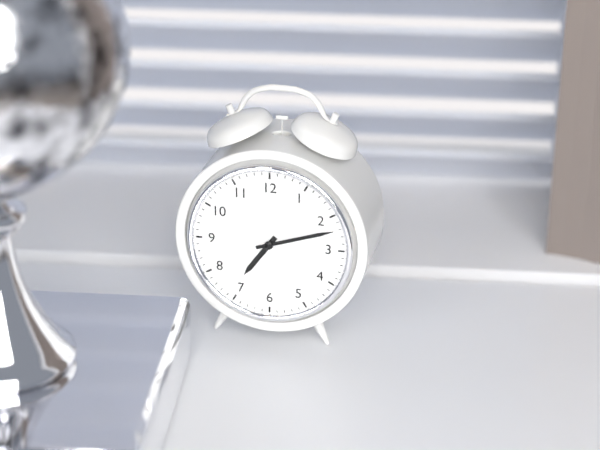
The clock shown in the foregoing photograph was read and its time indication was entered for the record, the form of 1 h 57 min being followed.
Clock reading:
7 h 12 min
